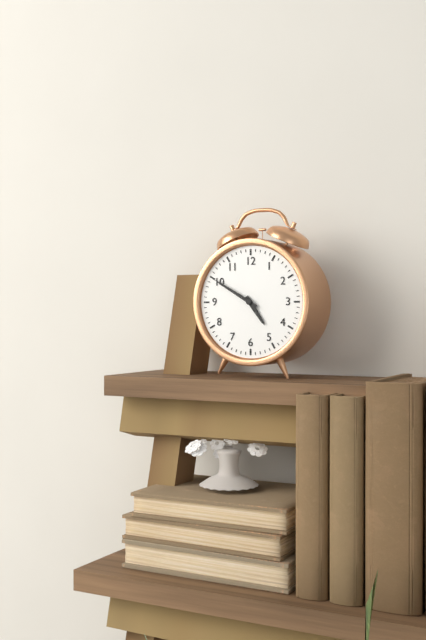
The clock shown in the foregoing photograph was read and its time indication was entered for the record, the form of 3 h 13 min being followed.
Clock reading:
4 h 50 min
